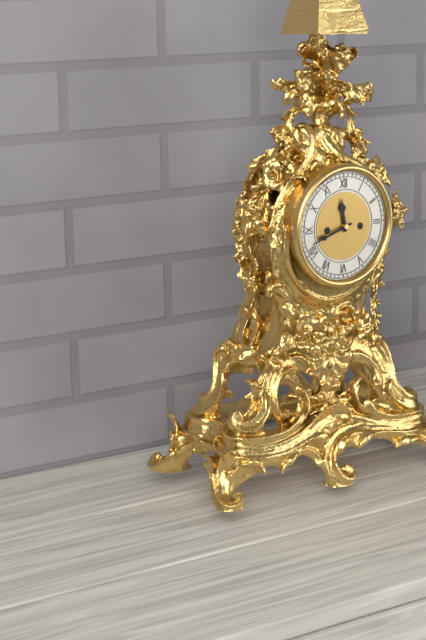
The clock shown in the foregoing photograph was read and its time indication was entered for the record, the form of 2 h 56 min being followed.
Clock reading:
11 h 42 min
